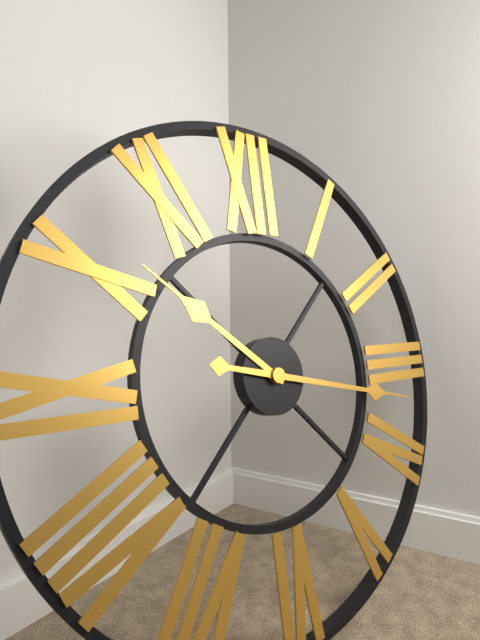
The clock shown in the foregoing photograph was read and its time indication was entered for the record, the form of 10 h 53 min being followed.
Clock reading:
10 h 17 min
